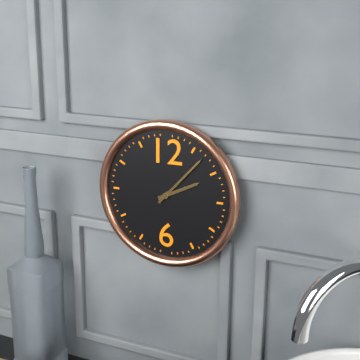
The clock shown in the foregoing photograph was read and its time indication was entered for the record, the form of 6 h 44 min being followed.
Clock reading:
2 h 07 min
